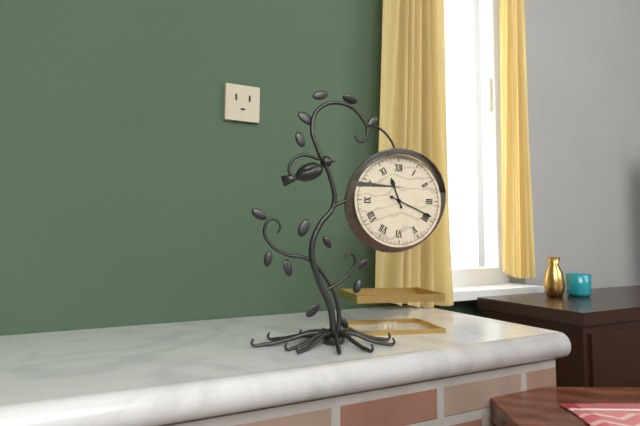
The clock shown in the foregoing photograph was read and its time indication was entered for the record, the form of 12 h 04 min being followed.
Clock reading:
11 h 19 min
